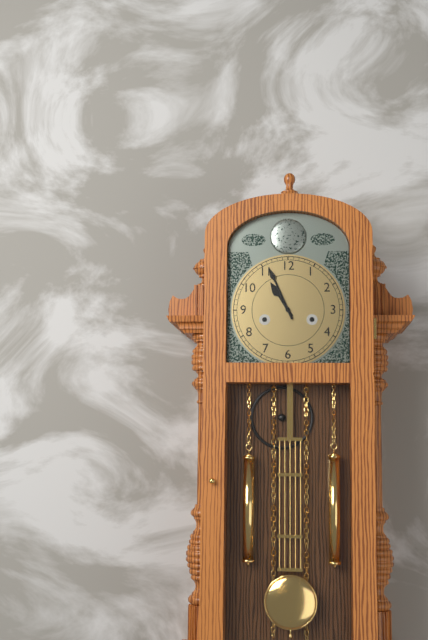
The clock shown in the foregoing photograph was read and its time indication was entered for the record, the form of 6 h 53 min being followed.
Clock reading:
10 h 56 min
